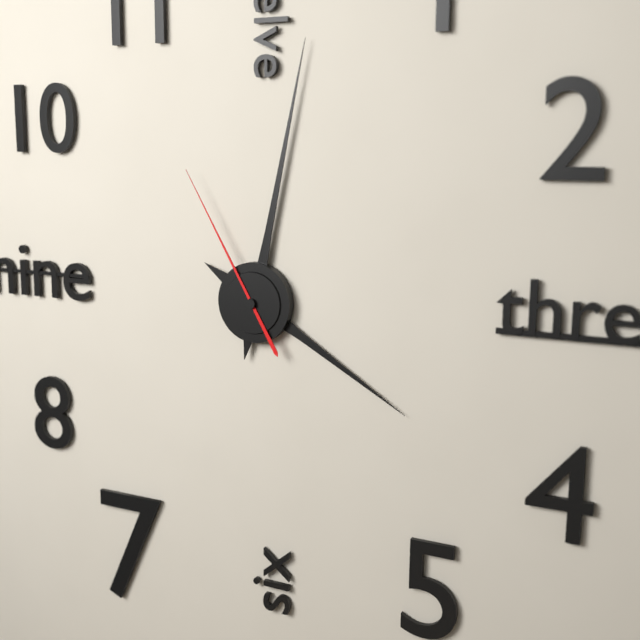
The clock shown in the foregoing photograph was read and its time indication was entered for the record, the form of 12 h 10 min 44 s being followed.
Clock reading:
4 h 02 min 55 s
